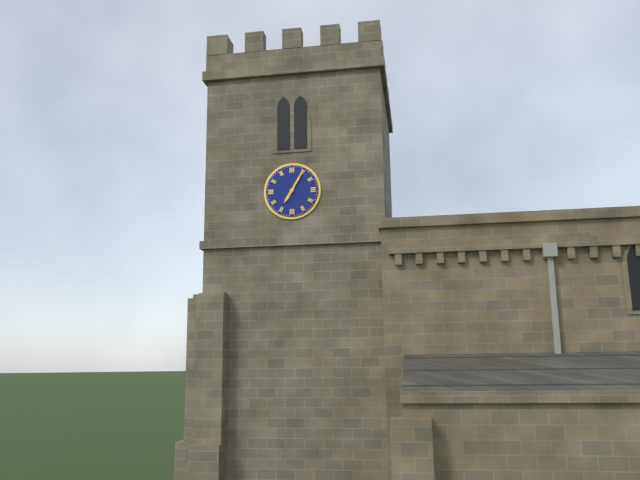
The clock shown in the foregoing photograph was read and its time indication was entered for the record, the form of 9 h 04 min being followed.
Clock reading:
7 h 05 min
